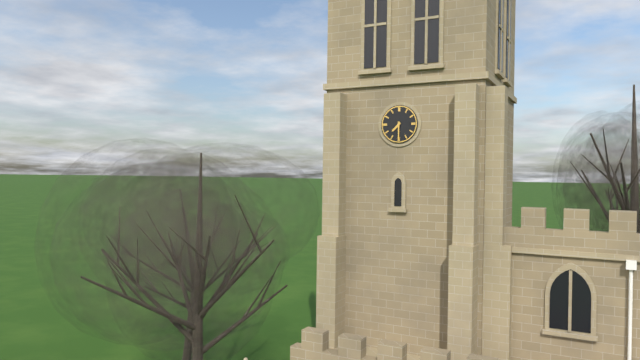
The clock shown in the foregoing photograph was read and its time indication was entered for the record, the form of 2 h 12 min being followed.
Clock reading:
7 h 30 min
